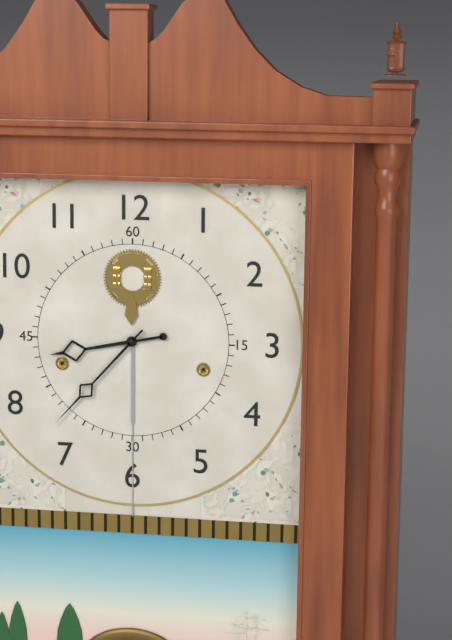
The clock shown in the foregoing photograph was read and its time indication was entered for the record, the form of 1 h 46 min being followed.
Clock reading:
8 h 37 min
